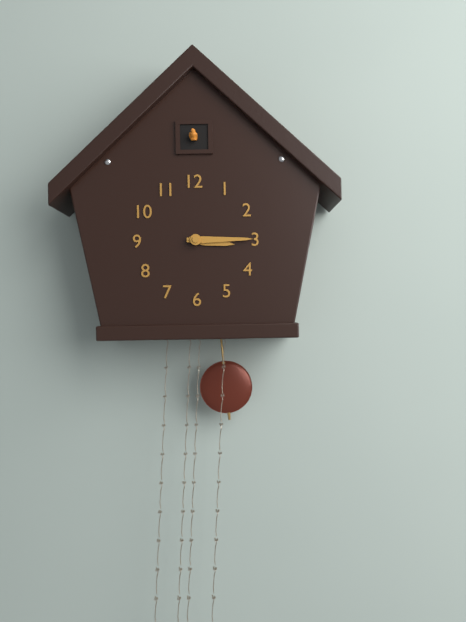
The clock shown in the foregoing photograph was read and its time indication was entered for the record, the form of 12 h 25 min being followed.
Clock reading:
3 h 15 min
